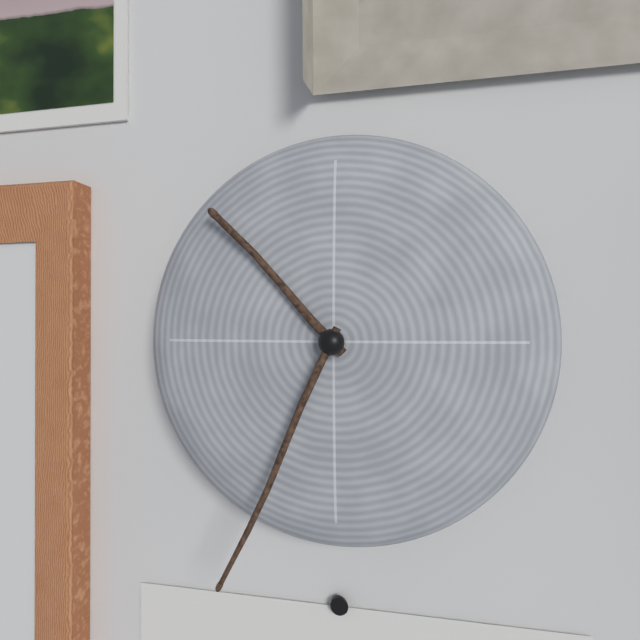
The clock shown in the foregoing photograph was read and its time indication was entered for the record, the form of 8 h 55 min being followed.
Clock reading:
10 h 34 min
